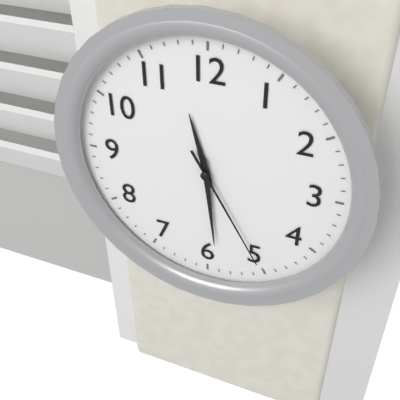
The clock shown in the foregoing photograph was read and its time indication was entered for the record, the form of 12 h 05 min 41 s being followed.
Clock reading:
11 h 29 min 25 s
